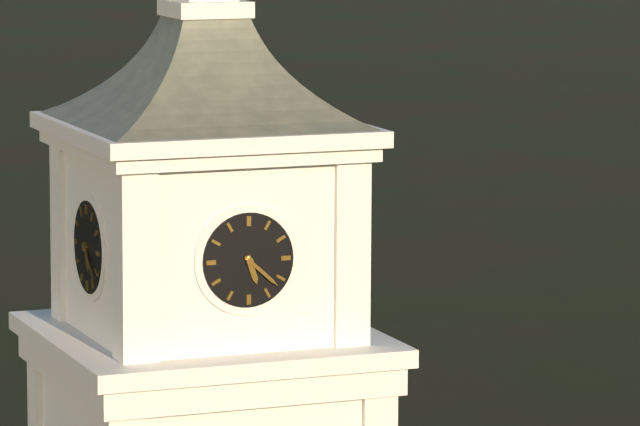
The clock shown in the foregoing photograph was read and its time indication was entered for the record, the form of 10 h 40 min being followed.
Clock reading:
5 h 22 min
